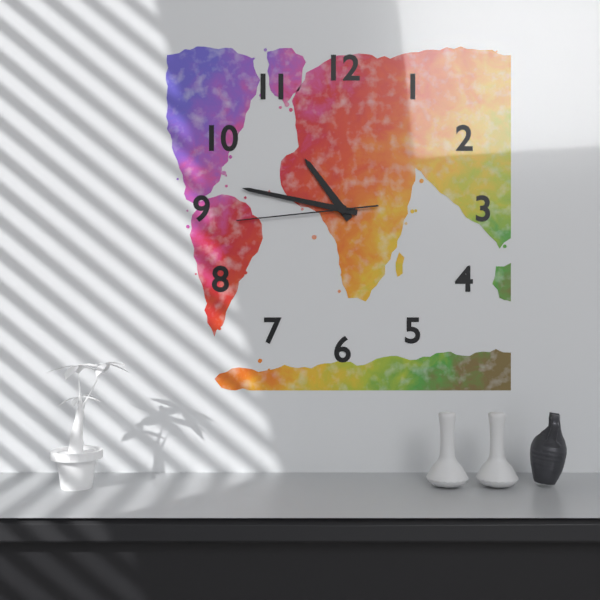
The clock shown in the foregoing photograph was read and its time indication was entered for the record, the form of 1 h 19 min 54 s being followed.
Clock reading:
10 h 47 min 44 s
